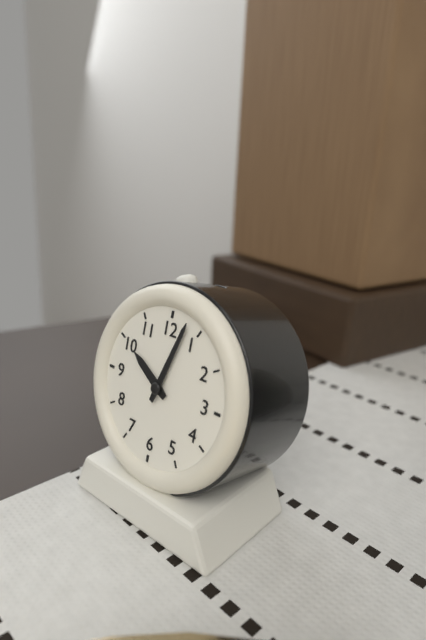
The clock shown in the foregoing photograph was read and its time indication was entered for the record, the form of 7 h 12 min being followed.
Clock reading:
10 h 03 min
